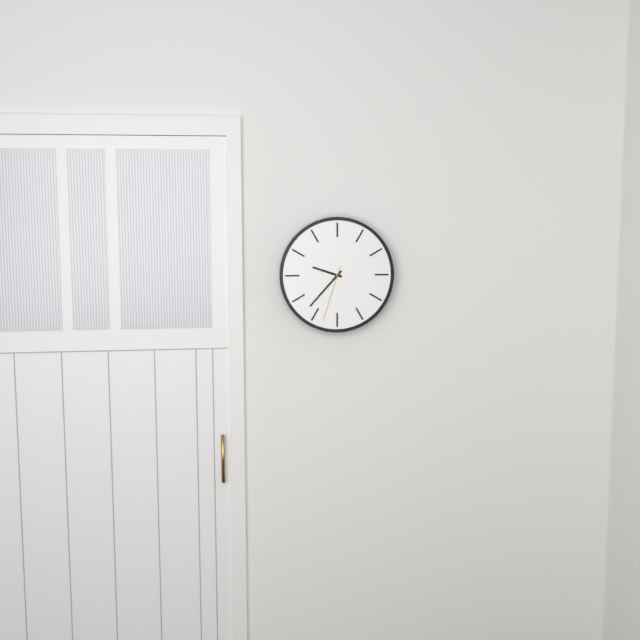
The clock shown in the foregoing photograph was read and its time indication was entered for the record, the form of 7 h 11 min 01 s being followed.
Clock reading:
9 h 37 min 33 s
